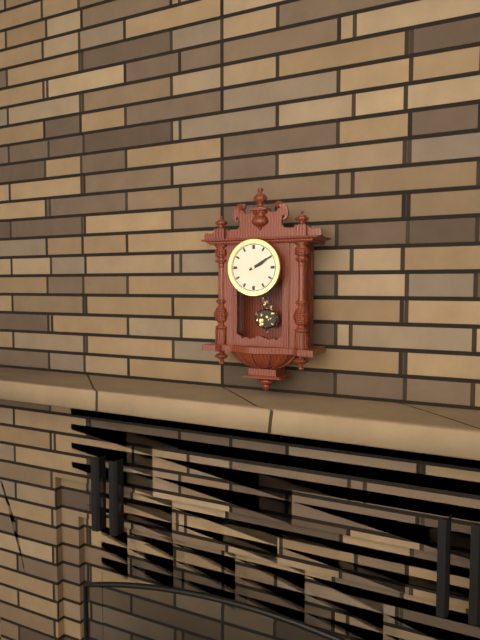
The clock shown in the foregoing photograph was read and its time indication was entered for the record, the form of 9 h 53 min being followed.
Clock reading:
2 h 10 min
